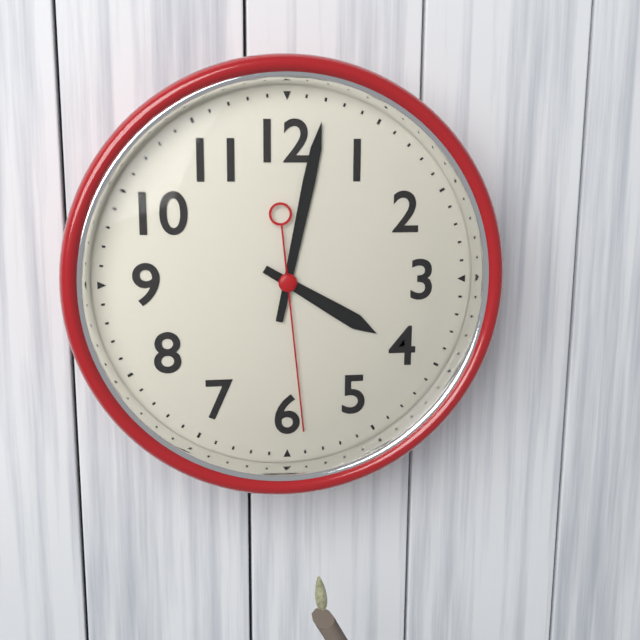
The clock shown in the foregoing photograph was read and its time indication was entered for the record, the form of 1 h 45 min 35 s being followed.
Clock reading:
4 h 02 min 29 s
